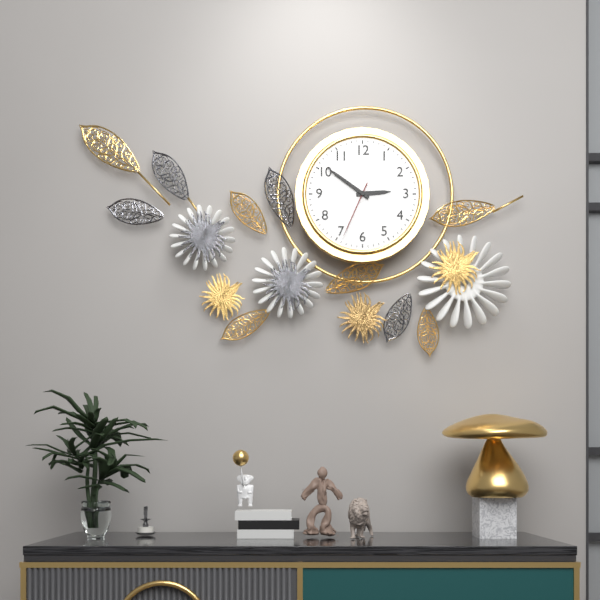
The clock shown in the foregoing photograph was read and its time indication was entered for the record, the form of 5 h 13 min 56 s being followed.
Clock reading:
2 h 51 min 34 s
